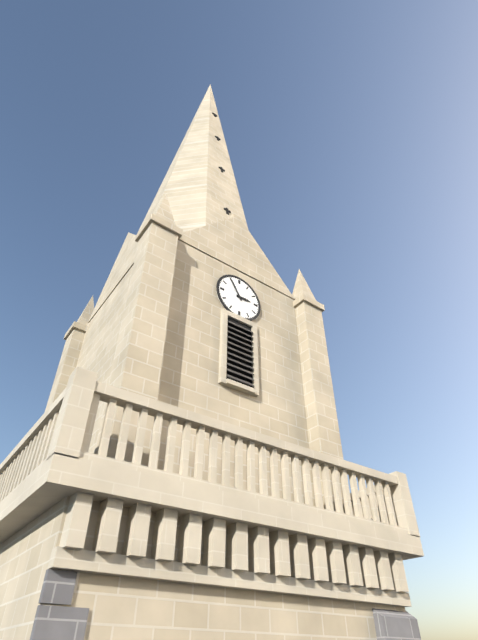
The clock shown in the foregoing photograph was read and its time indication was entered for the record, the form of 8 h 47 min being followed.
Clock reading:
2 h 55 min
